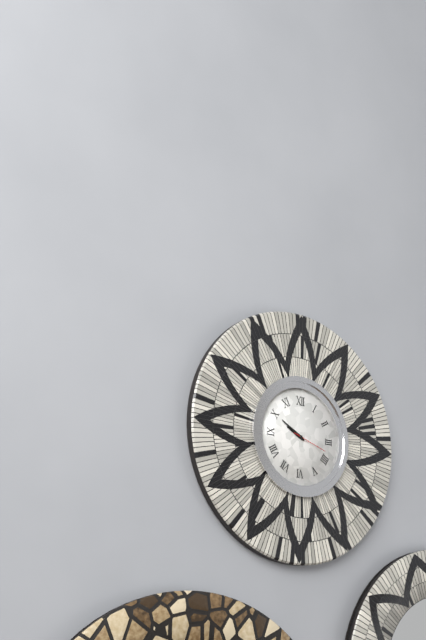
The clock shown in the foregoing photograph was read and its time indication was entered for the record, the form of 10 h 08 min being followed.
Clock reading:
9 h 50 min
